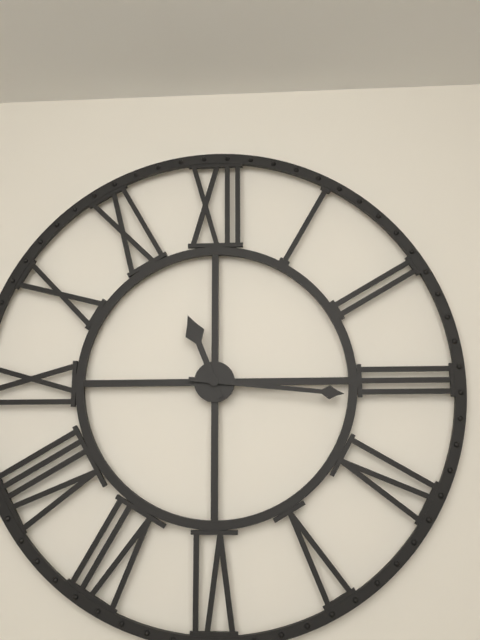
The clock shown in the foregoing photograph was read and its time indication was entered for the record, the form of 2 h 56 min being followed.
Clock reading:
11 h 16 min
